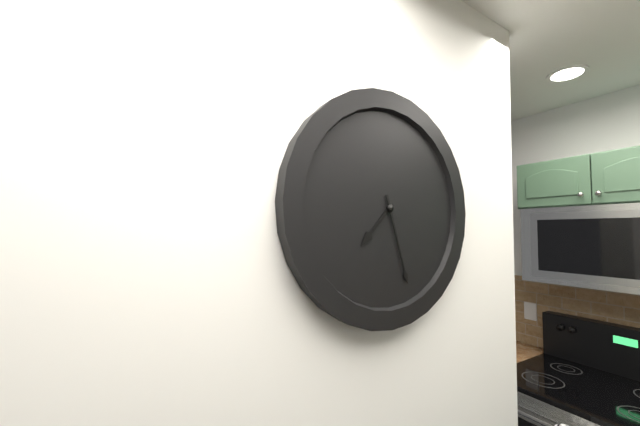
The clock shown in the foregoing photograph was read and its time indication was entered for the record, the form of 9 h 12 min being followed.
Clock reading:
7 h 27 min
